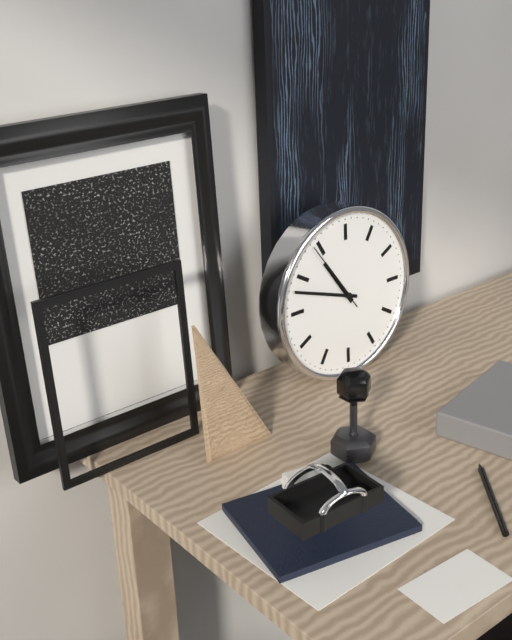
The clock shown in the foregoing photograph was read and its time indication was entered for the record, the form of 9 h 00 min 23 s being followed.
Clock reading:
10 h 48 min 54 s
